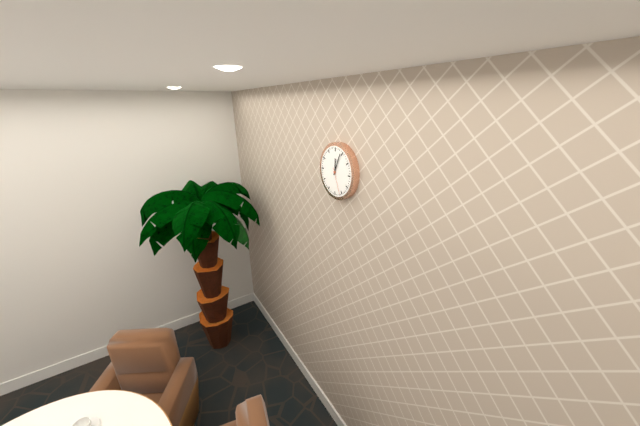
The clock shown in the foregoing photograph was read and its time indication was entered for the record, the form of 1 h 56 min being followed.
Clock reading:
12 h 04 min
